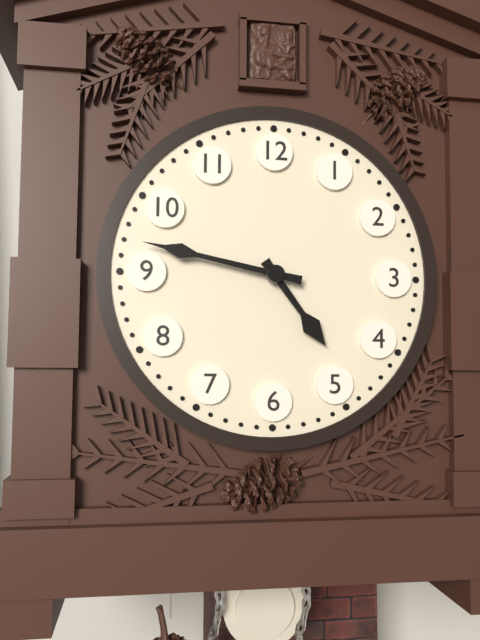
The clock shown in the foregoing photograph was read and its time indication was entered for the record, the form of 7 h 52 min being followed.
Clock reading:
4 h 47 min
